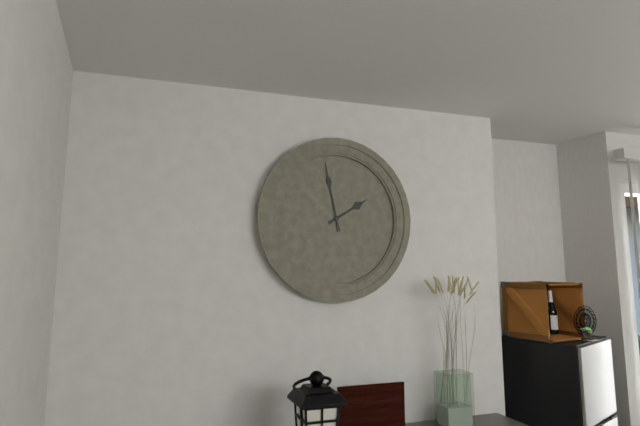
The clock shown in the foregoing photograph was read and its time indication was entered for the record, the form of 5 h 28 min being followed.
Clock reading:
1 h 58 min
